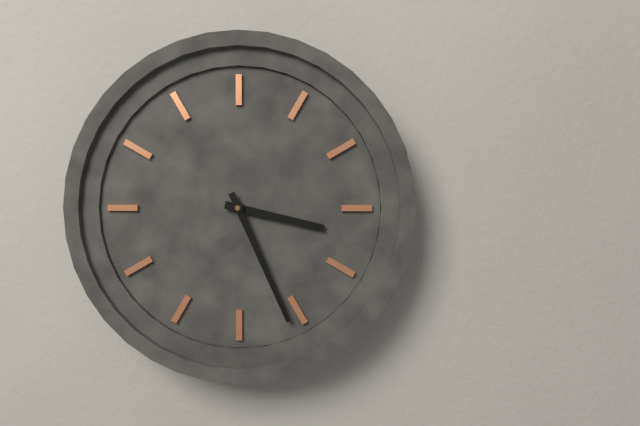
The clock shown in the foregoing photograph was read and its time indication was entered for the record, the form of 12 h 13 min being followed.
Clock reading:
3 h 26 min
